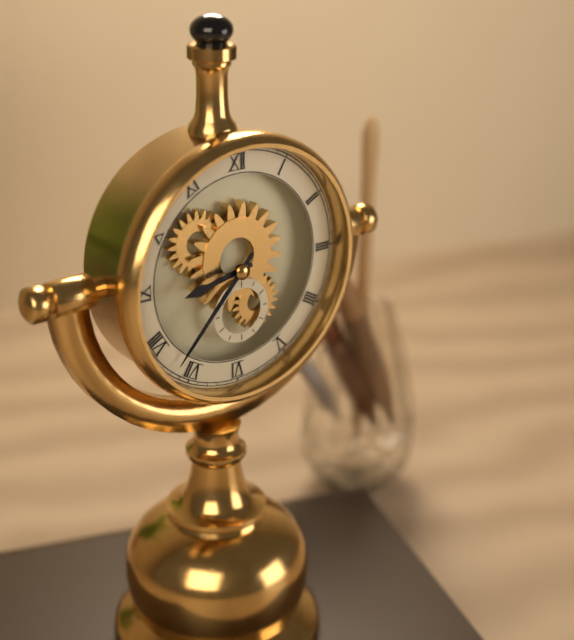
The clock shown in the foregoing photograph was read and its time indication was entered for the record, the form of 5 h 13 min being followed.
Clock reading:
8 h 37 min
